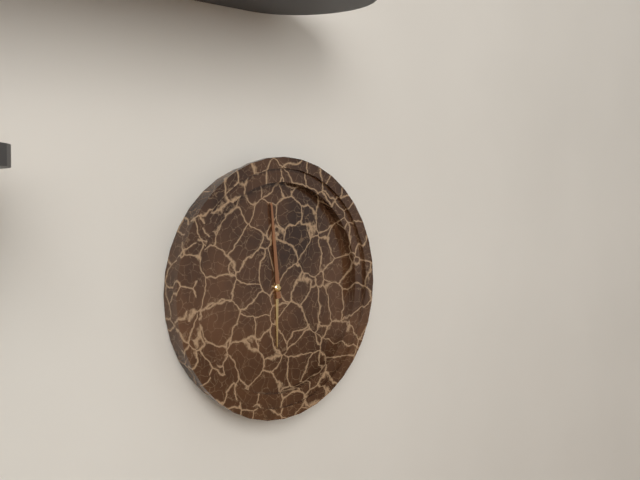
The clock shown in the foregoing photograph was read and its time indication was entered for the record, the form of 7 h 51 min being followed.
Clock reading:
5 h 59 min
